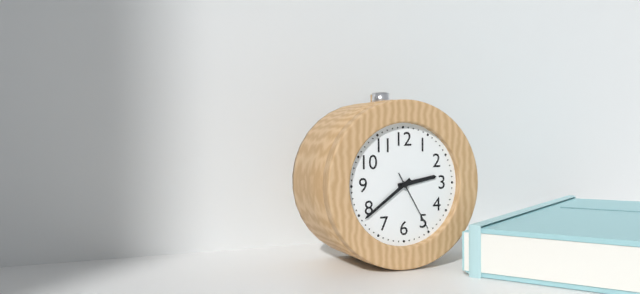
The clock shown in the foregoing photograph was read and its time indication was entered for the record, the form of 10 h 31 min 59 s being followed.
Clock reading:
2 h 39 min 25 s
